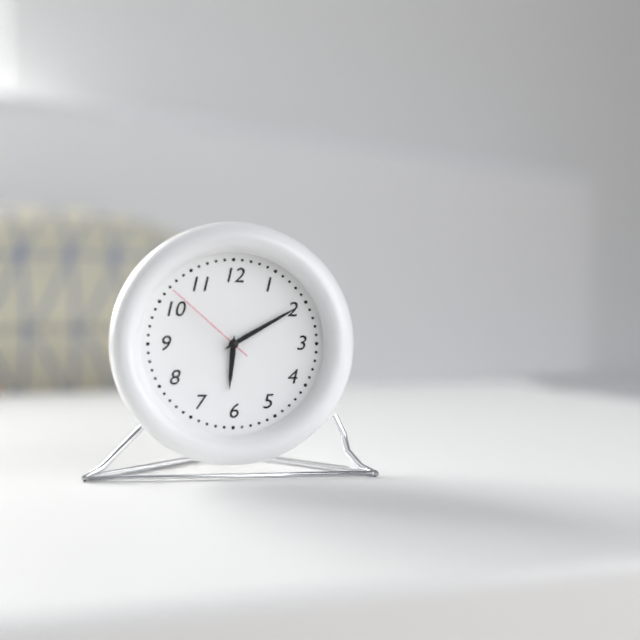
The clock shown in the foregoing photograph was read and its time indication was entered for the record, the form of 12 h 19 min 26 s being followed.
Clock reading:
6 h 10 min 52 s
